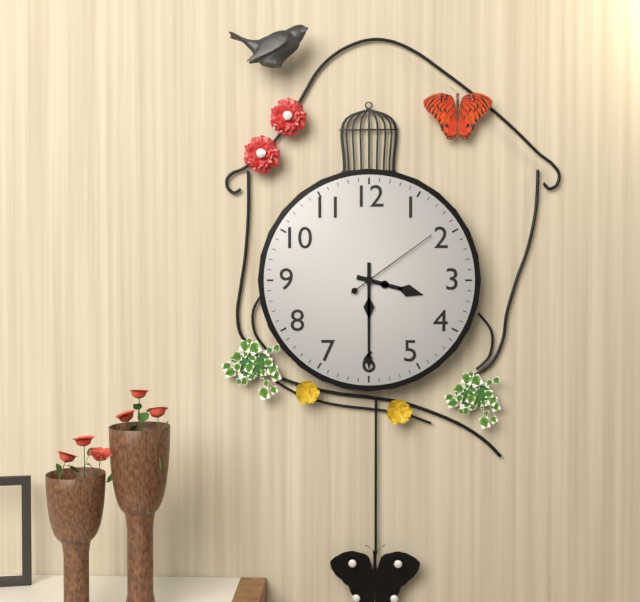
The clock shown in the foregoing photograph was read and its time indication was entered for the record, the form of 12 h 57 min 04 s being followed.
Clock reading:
3 h 30 min 09 s
